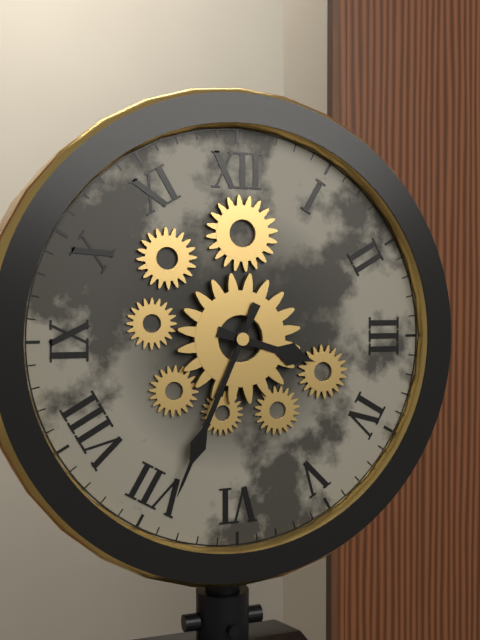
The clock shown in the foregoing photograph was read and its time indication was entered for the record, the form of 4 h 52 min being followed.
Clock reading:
3 h 34 min
